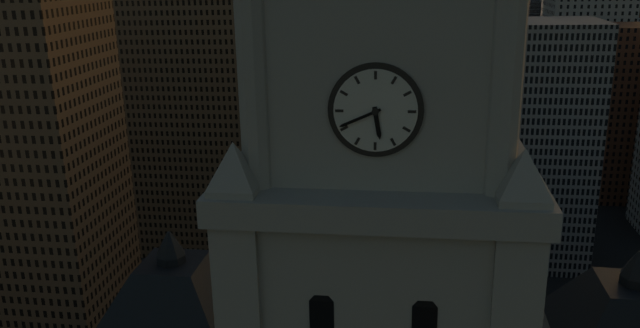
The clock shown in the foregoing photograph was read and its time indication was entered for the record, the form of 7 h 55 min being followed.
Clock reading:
5 h 41 min
